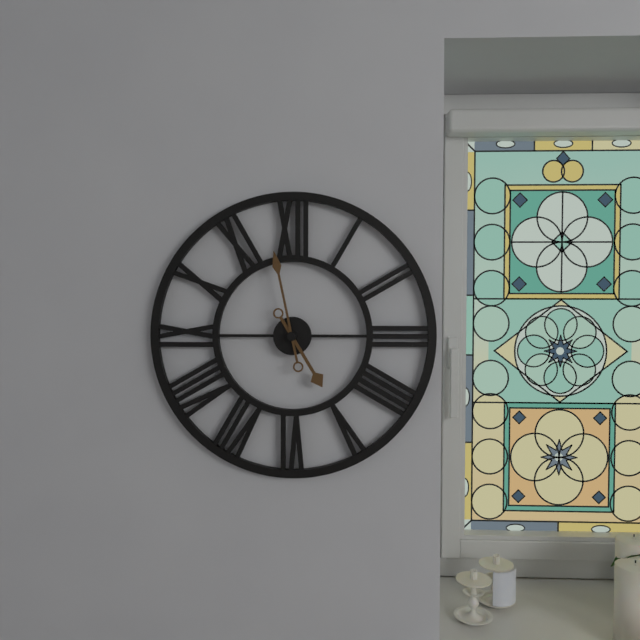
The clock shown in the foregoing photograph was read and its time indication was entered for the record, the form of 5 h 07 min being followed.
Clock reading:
4 h 58 min
